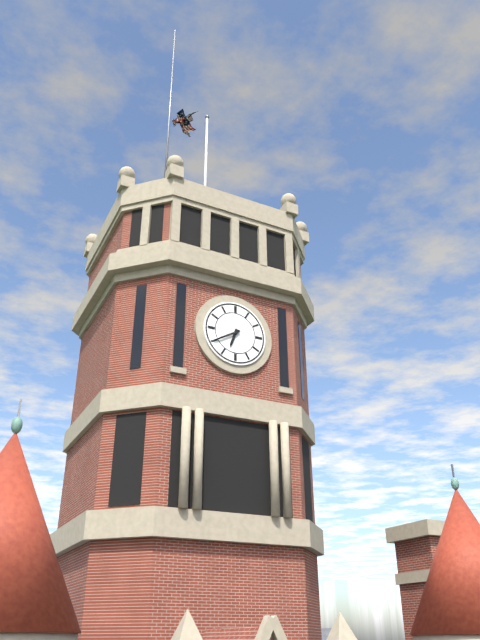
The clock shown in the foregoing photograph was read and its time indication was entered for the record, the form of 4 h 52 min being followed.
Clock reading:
6 h 40 min
